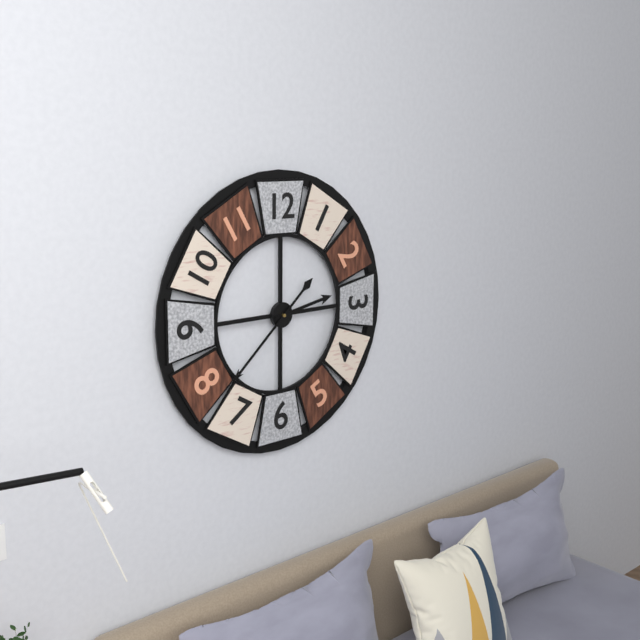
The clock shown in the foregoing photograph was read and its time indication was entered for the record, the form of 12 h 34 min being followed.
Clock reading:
2 h 38 min
